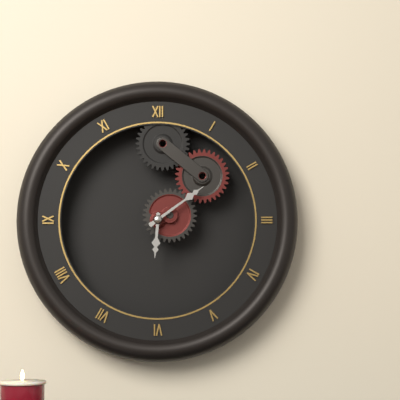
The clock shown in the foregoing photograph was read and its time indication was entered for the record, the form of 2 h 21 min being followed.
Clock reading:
6 h 09 min
